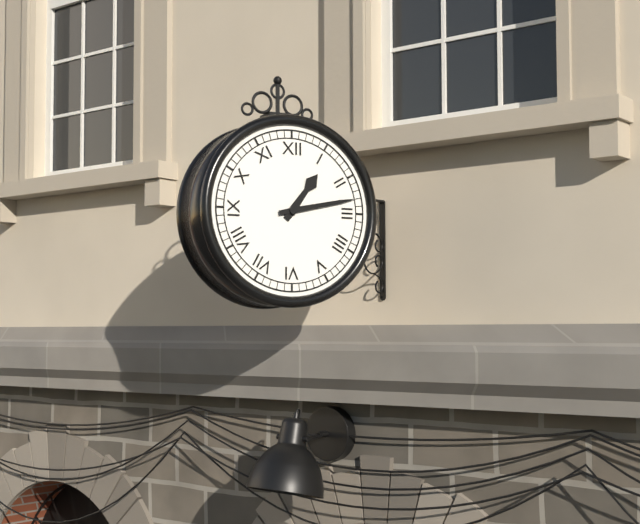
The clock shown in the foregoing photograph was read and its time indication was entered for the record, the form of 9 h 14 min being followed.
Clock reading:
1 h 13 min
